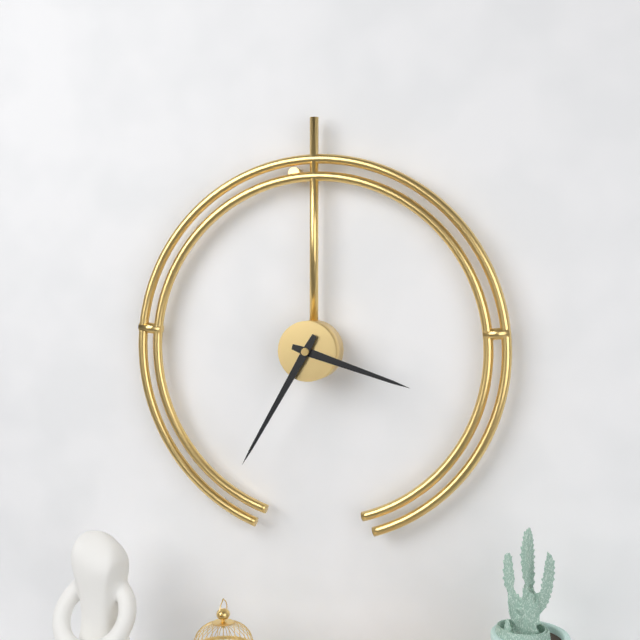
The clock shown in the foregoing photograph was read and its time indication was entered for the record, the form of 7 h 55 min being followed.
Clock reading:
3 h 35 min
